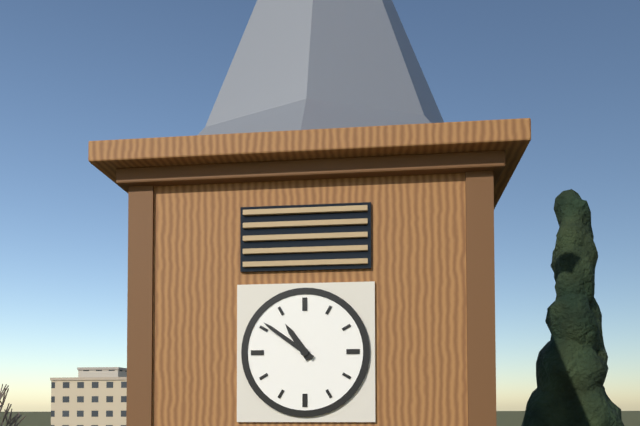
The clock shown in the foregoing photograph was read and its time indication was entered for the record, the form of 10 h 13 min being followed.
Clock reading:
10 h 51 min
